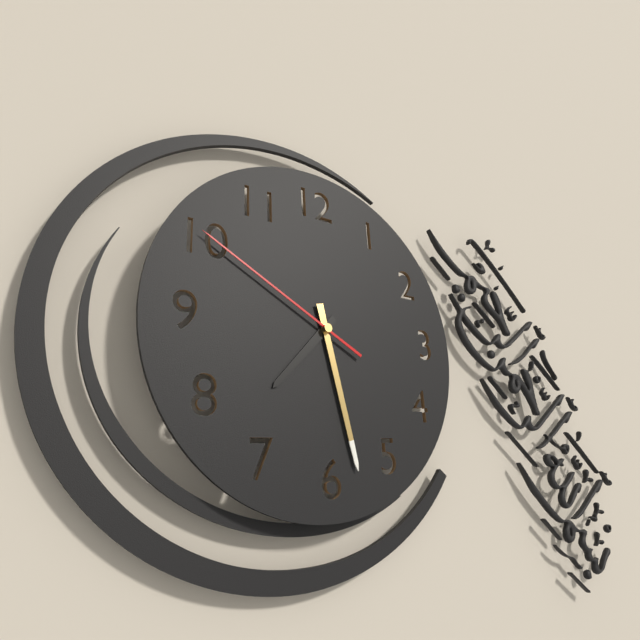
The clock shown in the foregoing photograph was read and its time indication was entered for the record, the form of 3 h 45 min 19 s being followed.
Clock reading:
7 h 28 min 50 s
